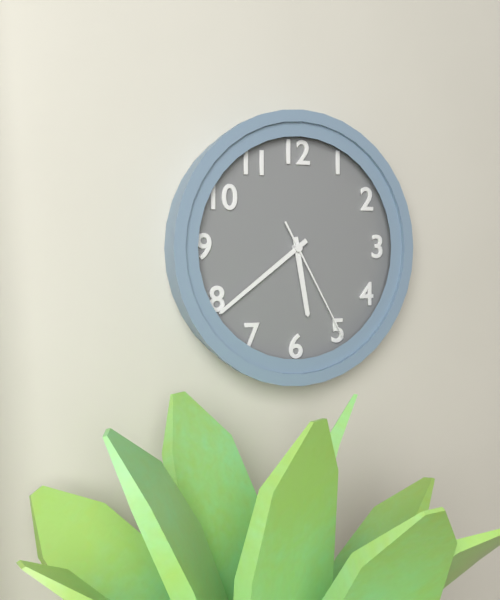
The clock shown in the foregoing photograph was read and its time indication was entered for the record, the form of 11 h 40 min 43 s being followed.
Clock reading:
5 h 39 min 25 s
